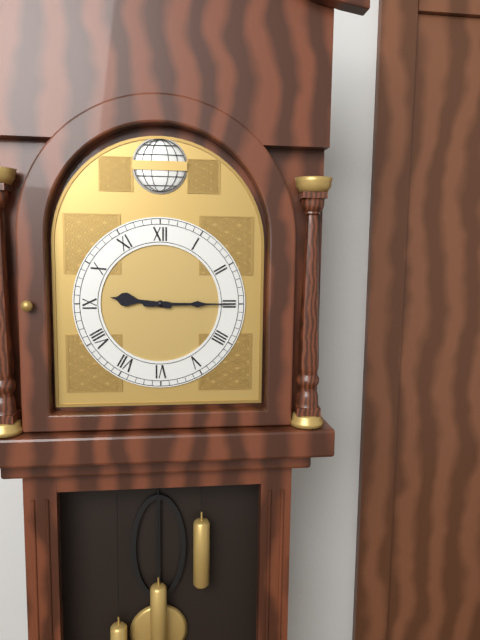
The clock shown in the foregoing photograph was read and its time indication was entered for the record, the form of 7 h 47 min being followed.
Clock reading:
9 h 15 min
